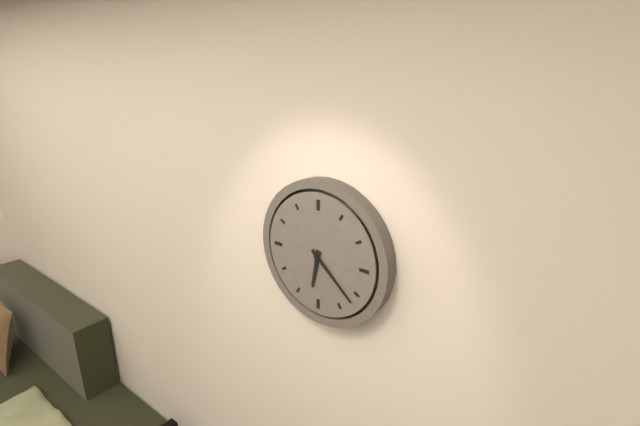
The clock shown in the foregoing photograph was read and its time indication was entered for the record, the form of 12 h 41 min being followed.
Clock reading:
6 h 22 min
